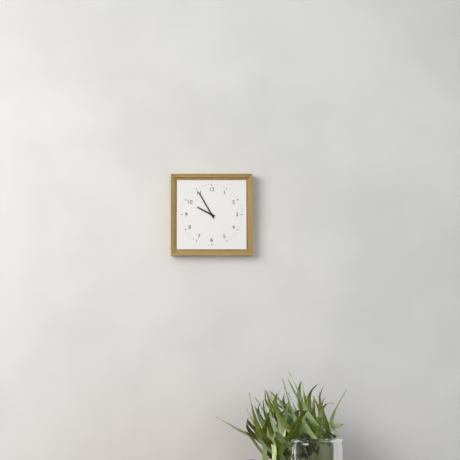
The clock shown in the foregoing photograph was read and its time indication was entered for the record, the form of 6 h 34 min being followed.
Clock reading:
9 h 55 min
